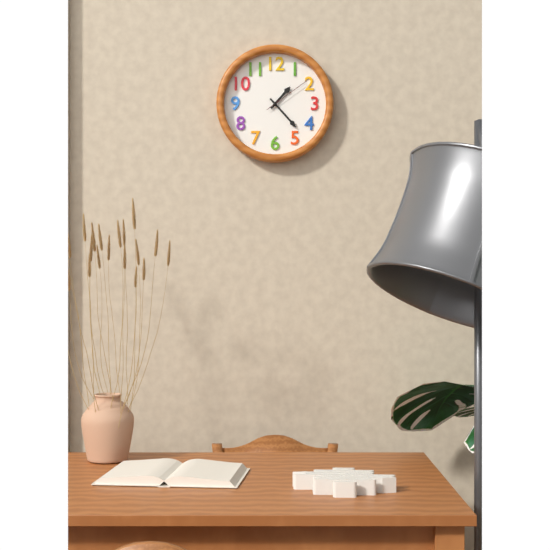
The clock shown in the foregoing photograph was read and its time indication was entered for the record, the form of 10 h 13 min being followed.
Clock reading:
1 h 23 min
